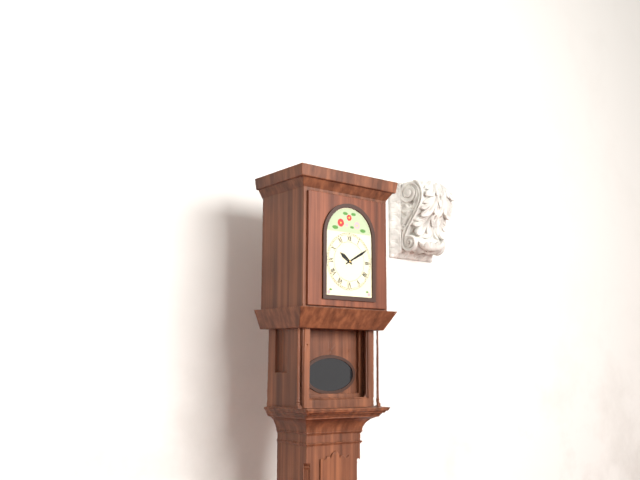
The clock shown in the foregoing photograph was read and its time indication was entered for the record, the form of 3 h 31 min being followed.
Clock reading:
10 h 10 min
